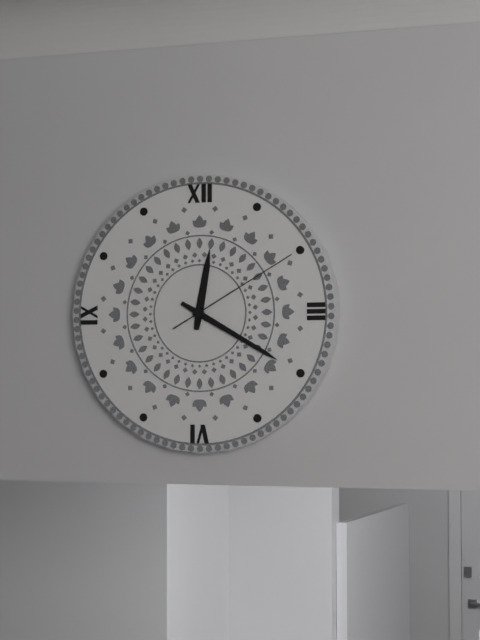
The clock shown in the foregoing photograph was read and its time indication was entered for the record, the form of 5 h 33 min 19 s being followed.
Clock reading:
12 h 20 min 10 s
